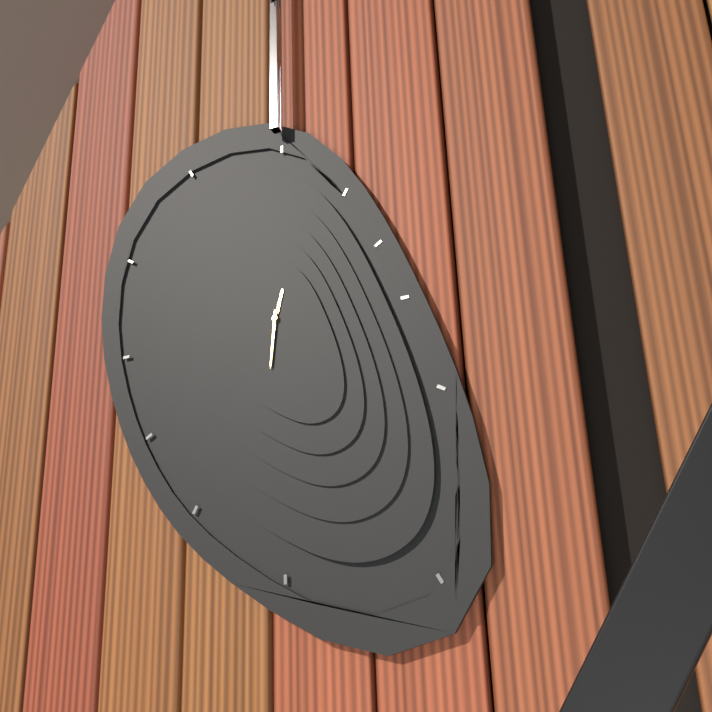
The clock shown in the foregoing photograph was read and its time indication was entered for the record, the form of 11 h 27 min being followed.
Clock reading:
12 h 31 min
